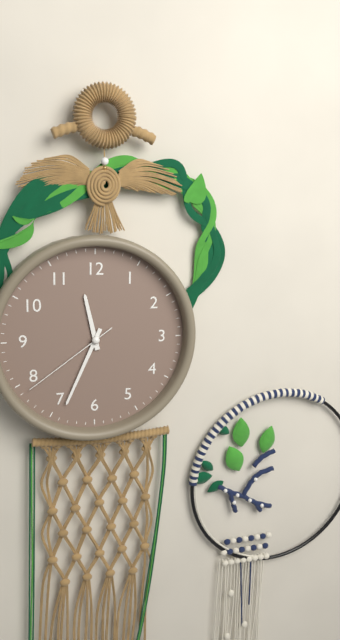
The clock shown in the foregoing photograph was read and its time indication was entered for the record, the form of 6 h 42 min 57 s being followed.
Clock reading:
11 h 34 min 39 s
